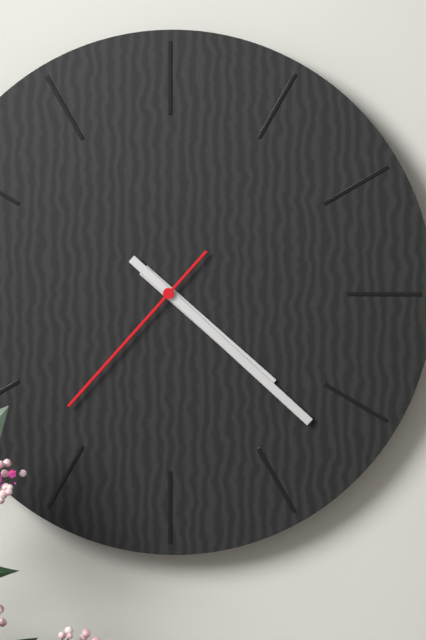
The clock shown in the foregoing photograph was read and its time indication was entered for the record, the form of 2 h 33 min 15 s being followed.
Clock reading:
4 h 22 min 37 s
